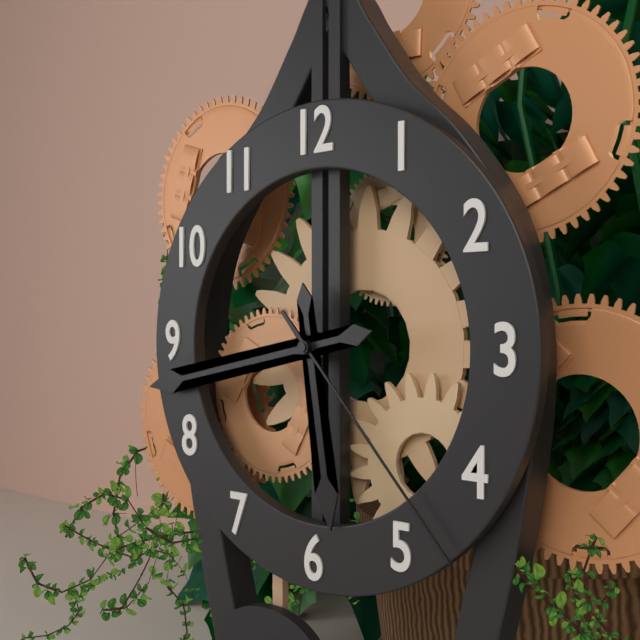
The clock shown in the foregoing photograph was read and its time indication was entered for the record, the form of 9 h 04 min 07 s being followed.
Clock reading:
5 h 43 min 23 s
